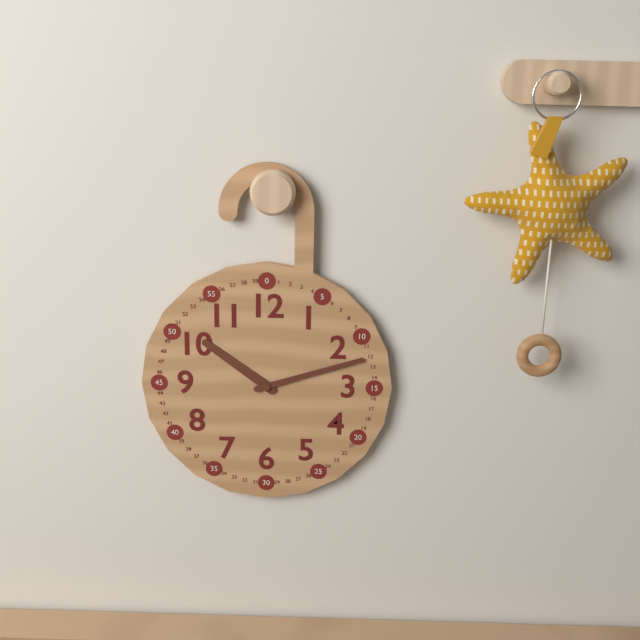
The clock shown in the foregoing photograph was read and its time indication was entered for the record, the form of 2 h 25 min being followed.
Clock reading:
10 h 12 min
